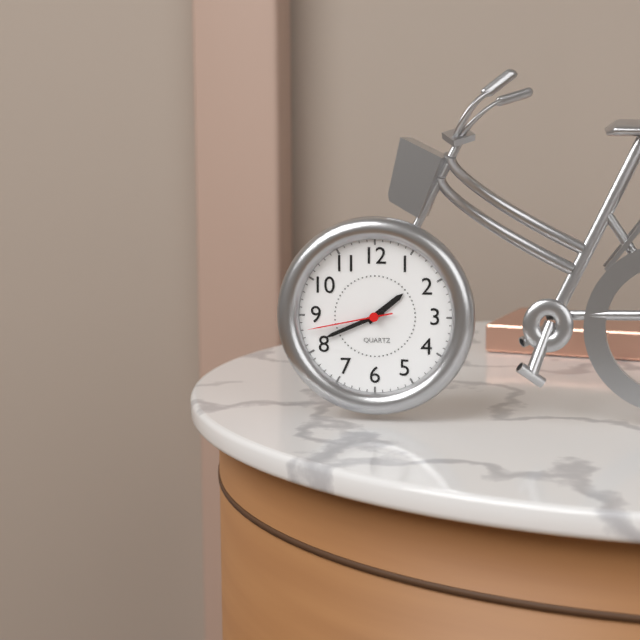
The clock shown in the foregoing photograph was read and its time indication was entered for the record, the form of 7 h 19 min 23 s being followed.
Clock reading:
1 h 41 min 43 s
